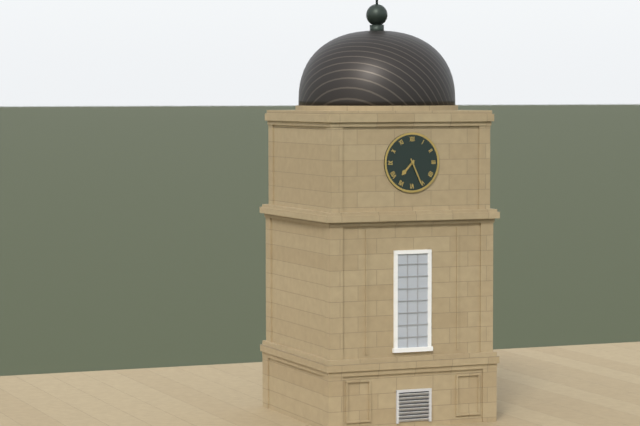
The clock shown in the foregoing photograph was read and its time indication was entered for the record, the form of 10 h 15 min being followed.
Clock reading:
7 h 26 min
